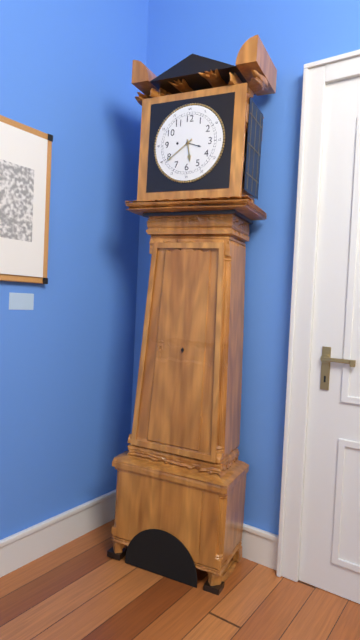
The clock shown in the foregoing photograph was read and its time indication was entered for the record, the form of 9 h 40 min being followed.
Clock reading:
5 h 39 min
